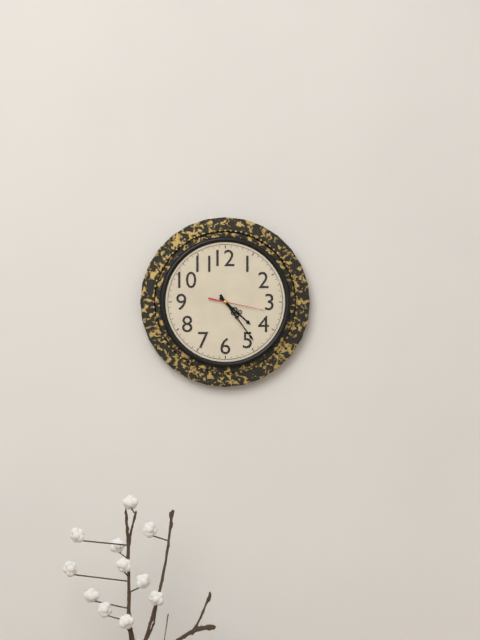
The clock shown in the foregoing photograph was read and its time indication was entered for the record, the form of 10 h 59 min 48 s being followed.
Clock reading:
4 h 24 min 17 s
